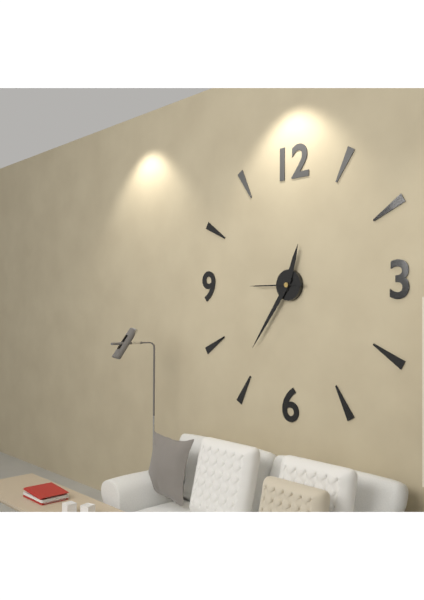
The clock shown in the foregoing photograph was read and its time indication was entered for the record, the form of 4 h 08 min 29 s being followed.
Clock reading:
12 h 36 min 45 s
